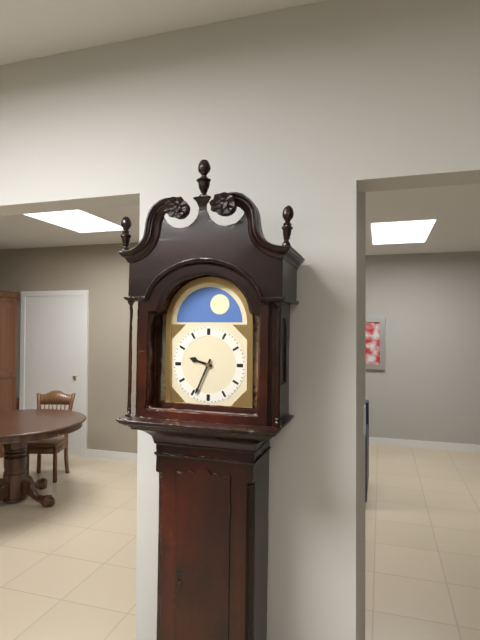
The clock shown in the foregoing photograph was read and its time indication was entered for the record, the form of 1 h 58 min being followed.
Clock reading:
9 h 34 min
